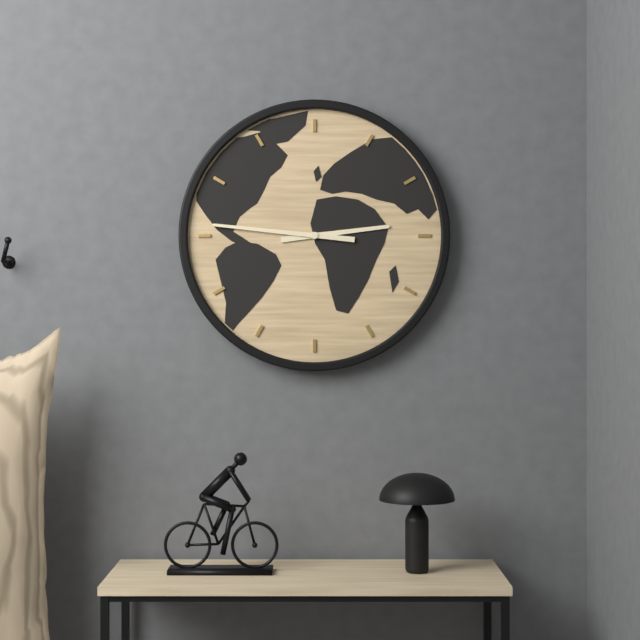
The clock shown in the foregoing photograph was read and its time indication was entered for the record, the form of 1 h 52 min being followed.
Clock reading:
2 h 46 min
